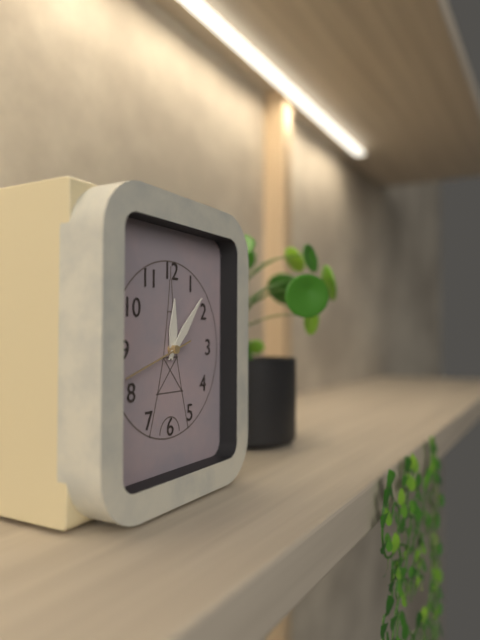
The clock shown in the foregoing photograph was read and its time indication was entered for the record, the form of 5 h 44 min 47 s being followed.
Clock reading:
12 h 07 min 42 s
